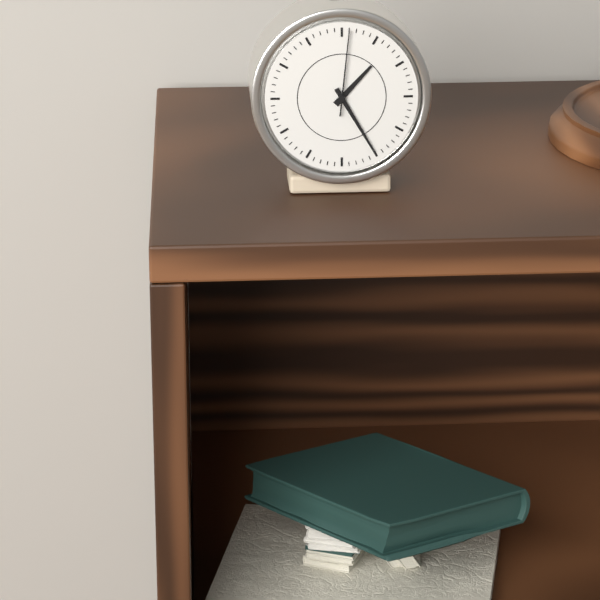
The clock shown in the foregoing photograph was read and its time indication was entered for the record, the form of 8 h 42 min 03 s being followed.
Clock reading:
1 h 25 min 01 s
